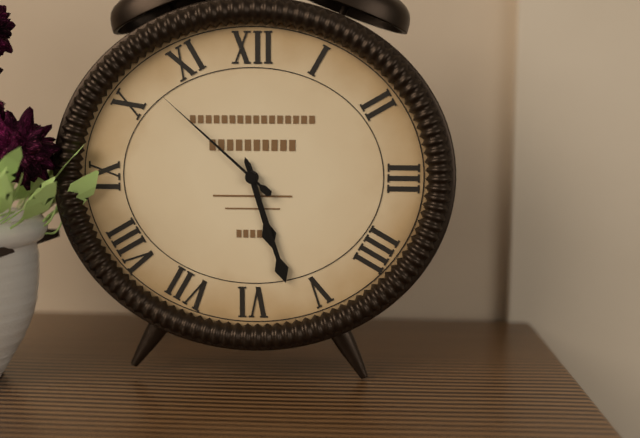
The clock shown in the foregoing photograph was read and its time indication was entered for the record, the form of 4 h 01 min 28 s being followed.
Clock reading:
5 h 27 min 52 s
